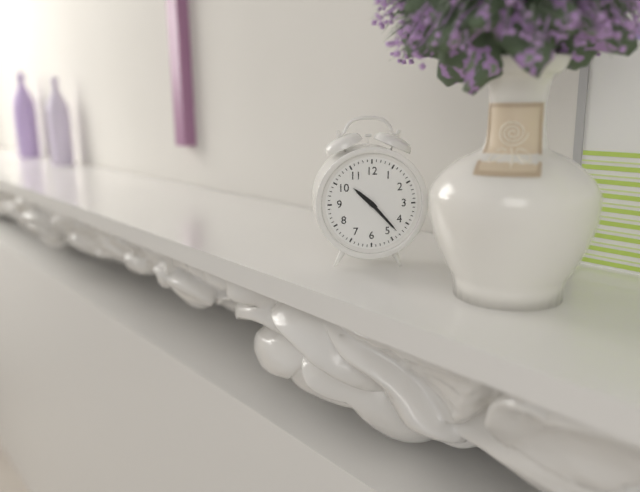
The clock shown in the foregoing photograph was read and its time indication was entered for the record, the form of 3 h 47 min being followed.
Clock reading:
10 h 23 min
